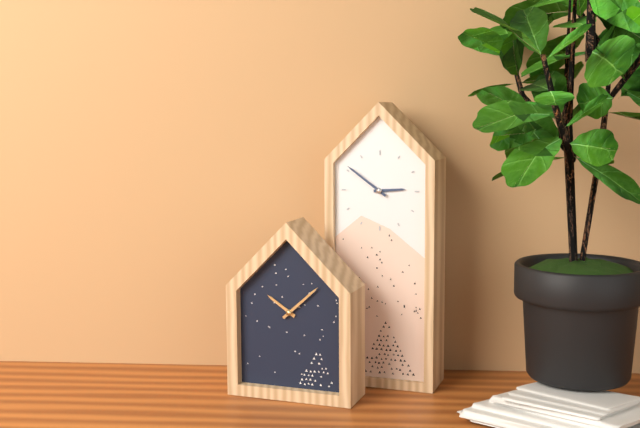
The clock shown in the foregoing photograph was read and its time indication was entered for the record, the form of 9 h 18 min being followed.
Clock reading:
2 h 51 min
